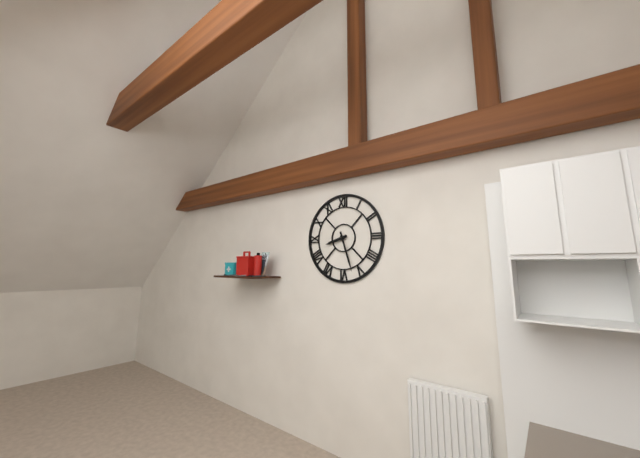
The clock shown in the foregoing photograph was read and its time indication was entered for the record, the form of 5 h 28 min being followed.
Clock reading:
8 h 27 min
